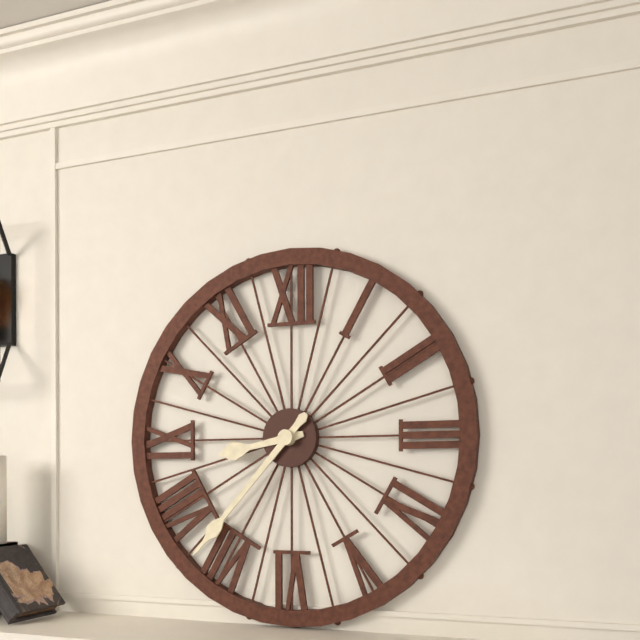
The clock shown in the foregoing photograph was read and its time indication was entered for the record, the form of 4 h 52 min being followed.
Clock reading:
8 h 37 min
